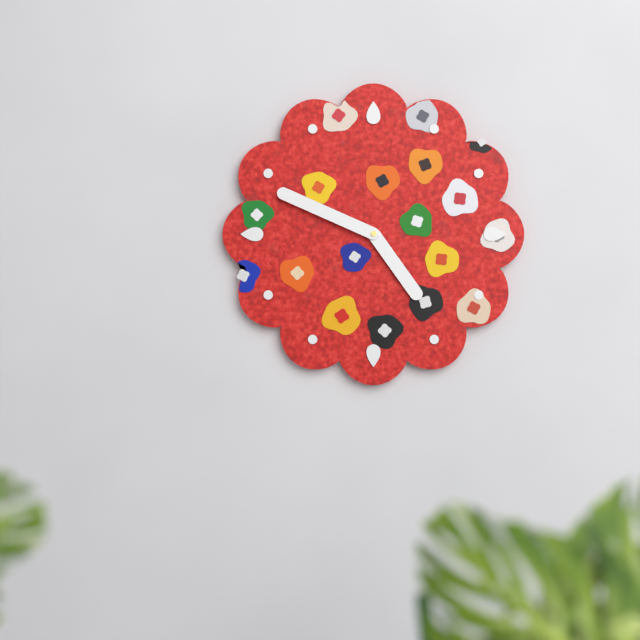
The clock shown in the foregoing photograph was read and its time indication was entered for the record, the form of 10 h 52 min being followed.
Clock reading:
4 h 49 min
